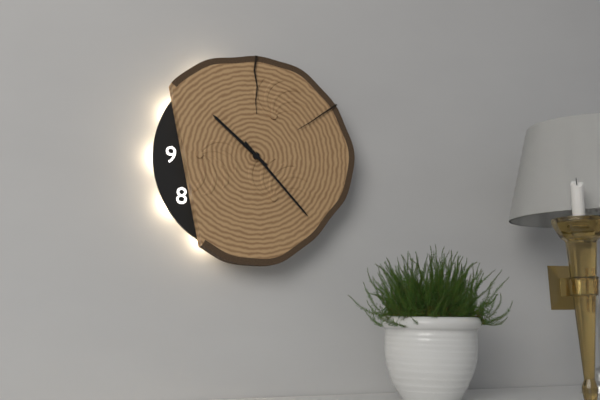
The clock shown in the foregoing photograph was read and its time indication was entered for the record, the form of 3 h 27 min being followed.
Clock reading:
10 h 23 min
